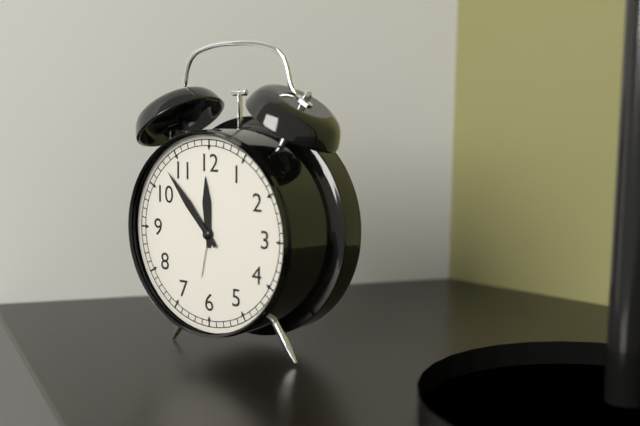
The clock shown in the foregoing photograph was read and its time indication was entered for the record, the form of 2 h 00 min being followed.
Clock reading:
11 h 53 min
